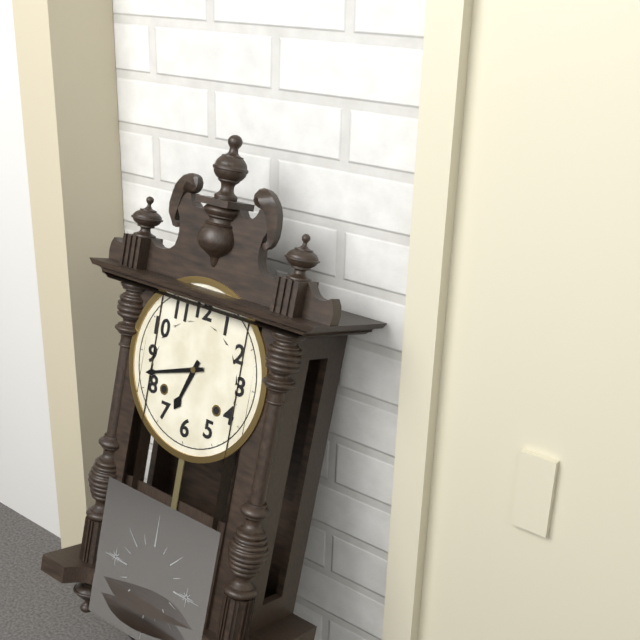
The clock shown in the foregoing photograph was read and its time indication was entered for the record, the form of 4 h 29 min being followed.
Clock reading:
6 h 42 min
